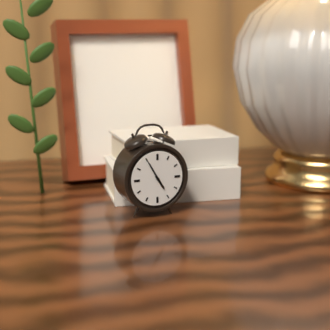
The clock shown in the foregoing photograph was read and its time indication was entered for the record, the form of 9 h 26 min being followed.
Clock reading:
4 h 55 min
